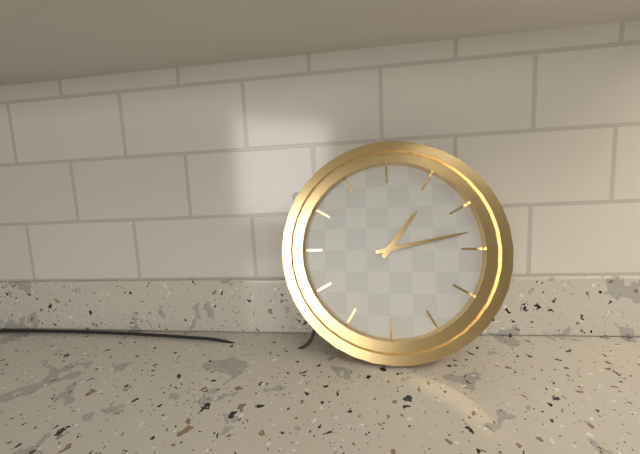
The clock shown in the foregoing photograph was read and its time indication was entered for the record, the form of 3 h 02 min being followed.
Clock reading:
1 h 13 min
